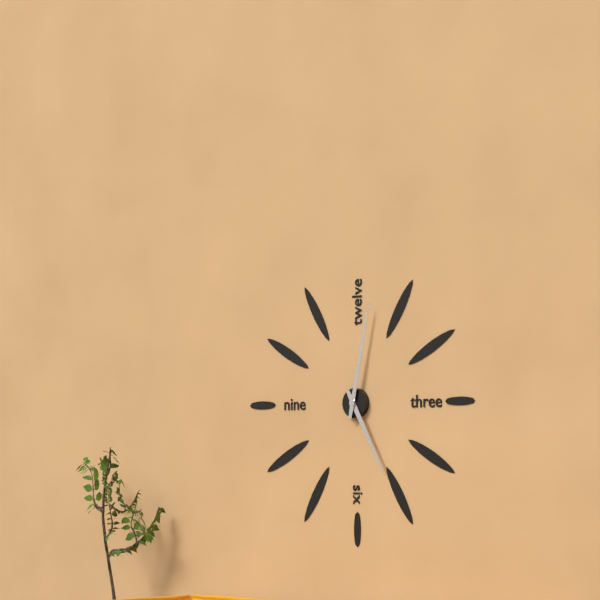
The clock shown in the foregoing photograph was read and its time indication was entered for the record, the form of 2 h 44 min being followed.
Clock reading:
5 h 02 min
